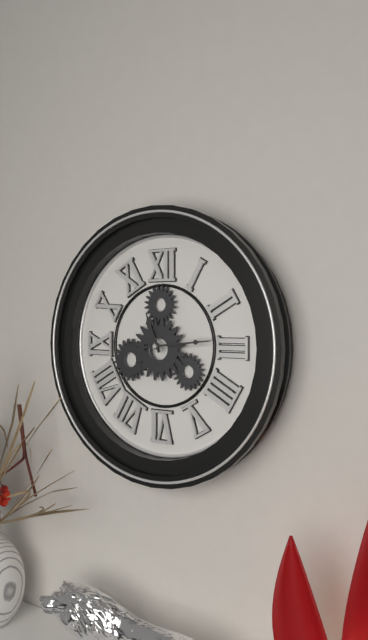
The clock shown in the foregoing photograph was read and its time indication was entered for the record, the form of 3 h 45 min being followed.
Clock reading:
11 h 14 min
